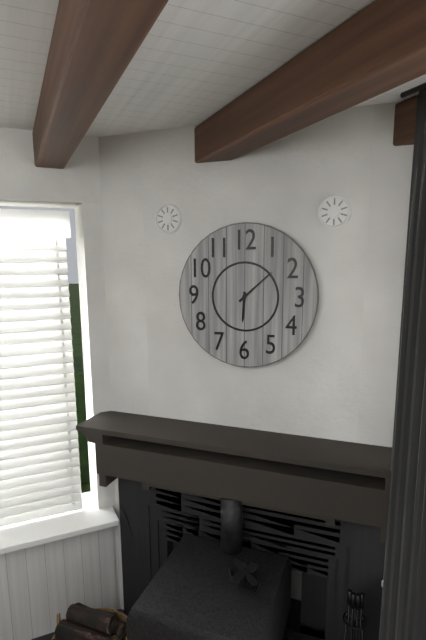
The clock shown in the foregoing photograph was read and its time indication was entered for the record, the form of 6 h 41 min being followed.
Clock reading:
6 h 08 min
